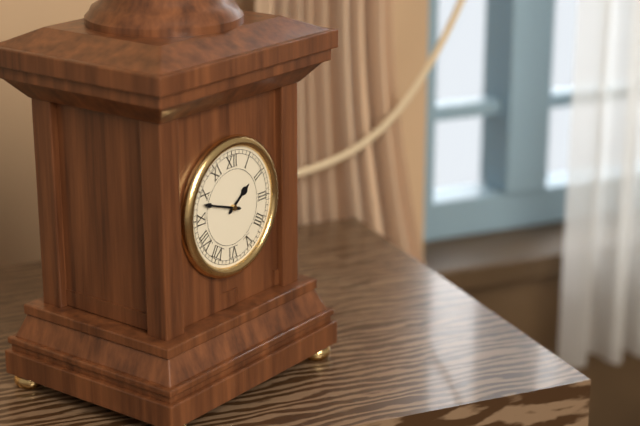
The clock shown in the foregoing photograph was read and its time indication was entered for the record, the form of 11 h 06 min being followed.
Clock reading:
1 h 48 min
